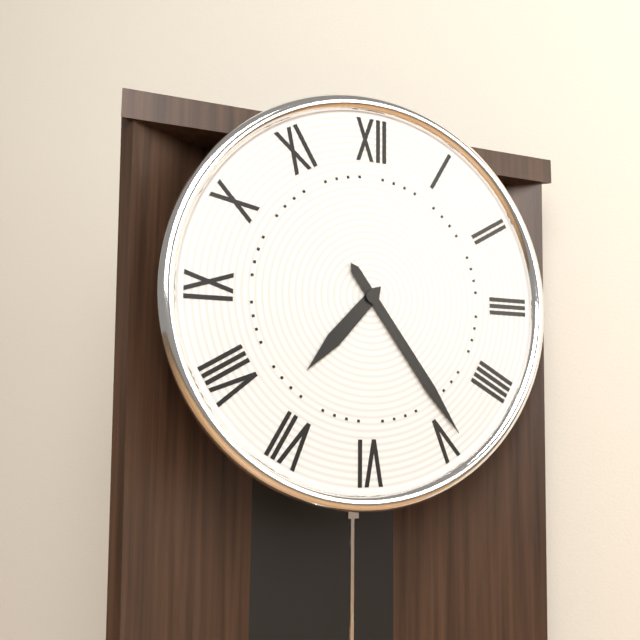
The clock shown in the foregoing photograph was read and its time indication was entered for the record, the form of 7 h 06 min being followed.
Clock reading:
7 h 24 min
